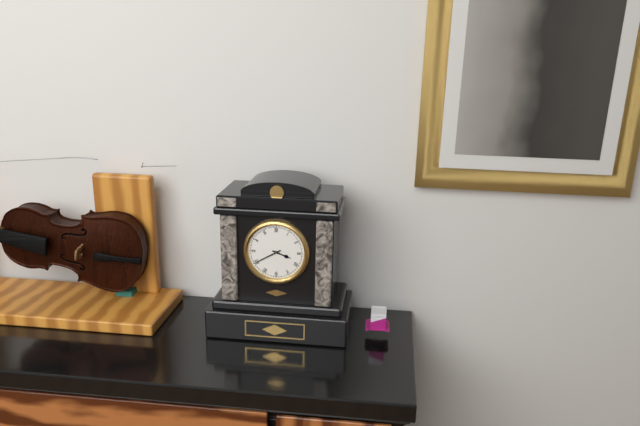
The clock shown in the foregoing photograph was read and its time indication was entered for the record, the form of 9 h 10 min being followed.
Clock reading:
3 h 40 min
